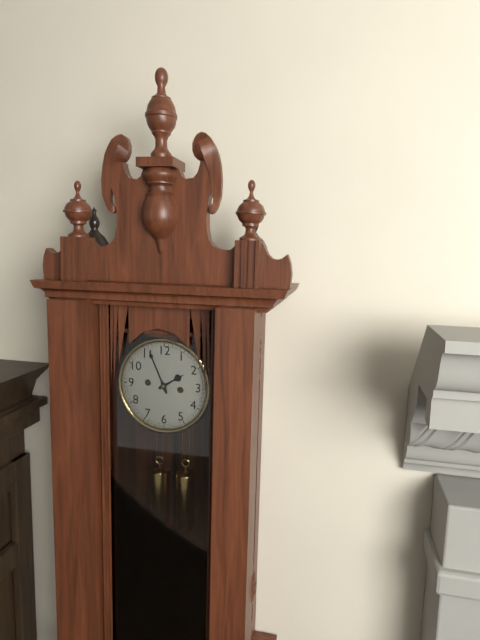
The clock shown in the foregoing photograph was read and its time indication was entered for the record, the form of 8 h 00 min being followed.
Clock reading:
1 h 56 min
